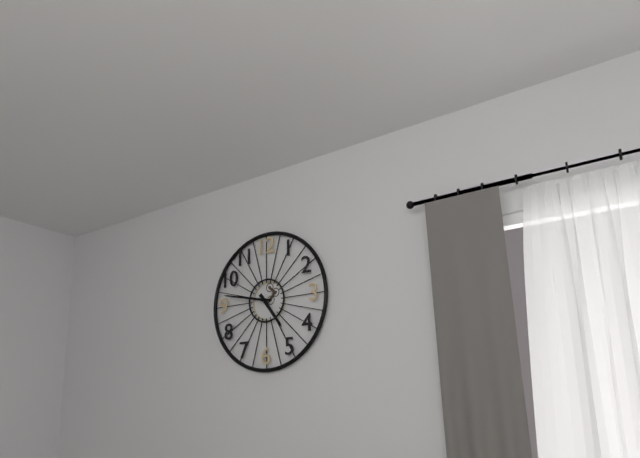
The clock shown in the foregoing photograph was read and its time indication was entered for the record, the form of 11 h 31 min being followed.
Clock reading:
4 h 47 min
